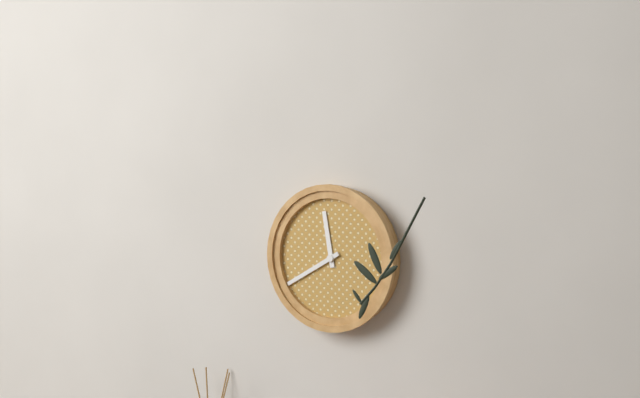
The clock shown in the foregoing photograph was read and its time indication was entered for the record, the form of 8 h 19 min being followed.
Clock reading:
11 h 40 min
